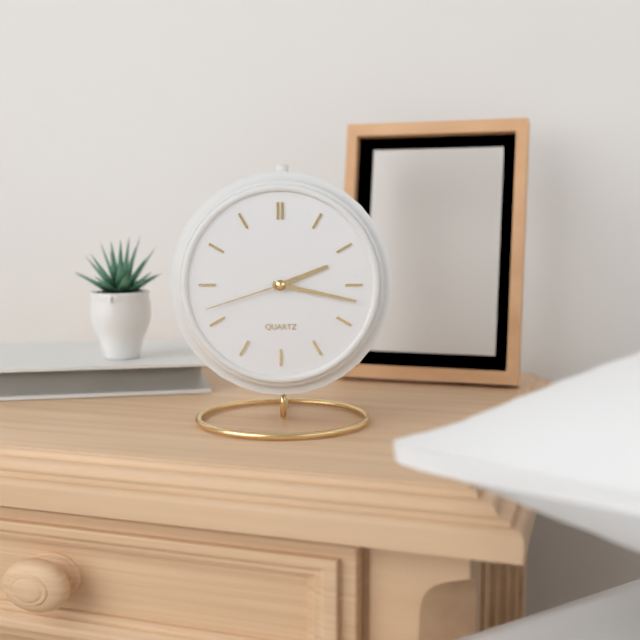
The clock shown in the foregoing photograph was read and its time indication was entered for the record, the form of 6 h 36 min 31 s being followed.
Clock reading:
2 h 17 min 42 s
